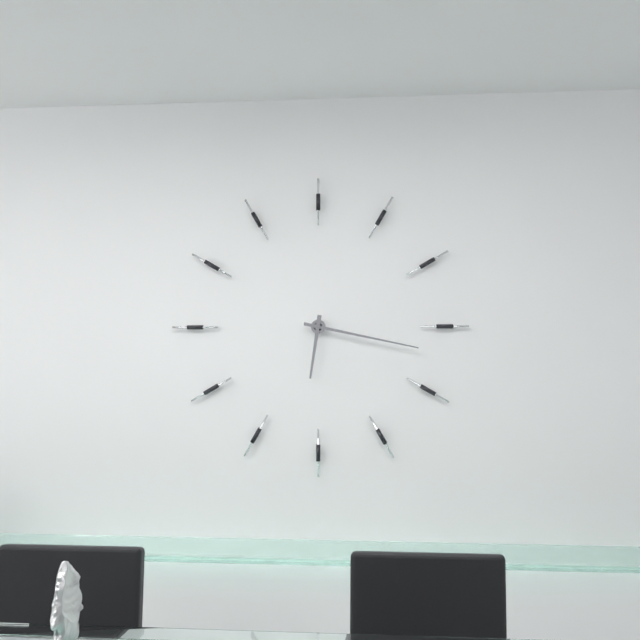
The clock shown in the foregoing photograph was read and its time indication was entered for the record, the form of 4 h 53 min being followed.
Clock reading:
6 h 17 min
